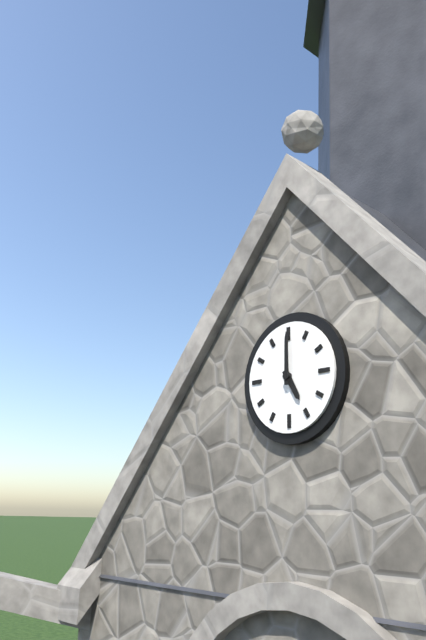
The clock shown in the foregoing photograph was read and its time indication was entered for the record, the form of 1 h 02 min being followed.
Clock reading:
5 h 00 min
